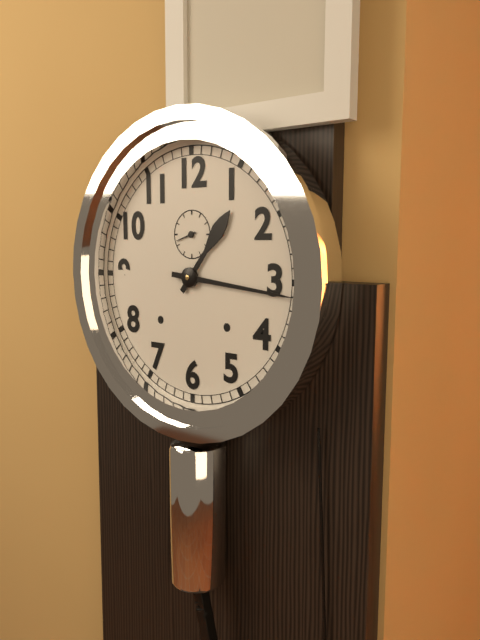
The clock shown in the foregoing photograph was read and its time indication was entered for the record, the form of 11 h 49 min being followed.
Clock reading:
1 h 16 min
